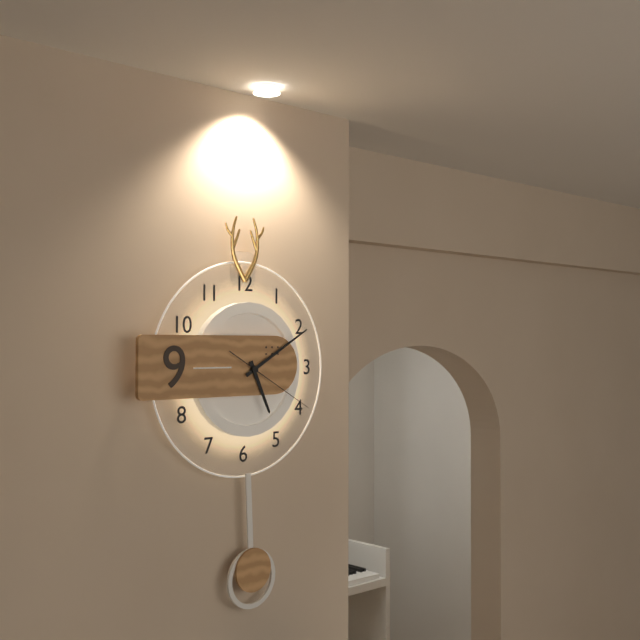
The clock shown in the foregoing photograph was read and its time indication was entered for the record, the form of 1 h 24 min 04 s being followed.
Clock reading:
5 h 10 min 20 s
